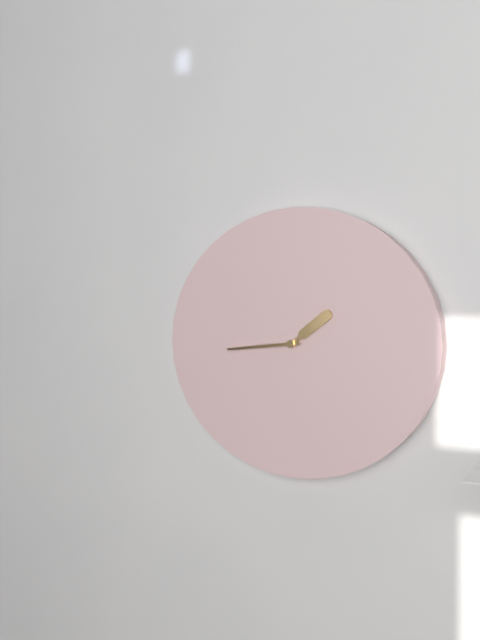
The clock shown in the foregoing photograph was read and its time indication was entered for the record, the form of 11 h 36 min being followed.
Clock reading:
1 h 44 min
